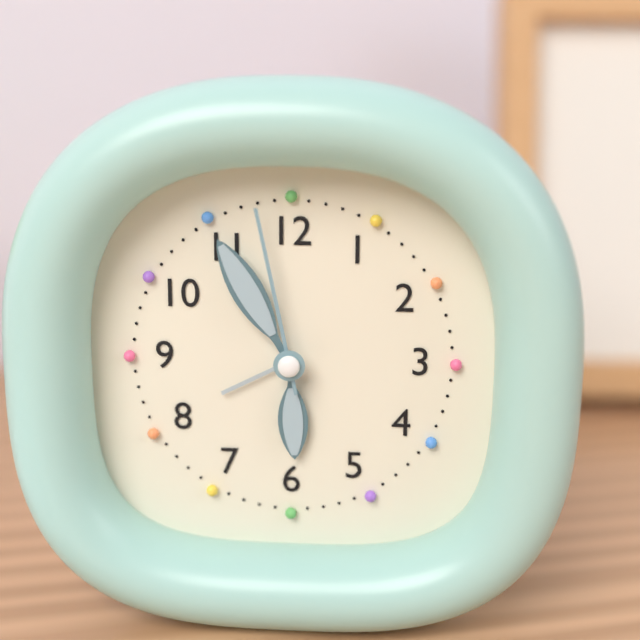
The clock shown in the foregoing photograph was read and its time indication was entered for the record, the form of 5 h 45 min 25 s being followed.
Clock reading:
5 h 55 min 58 s
